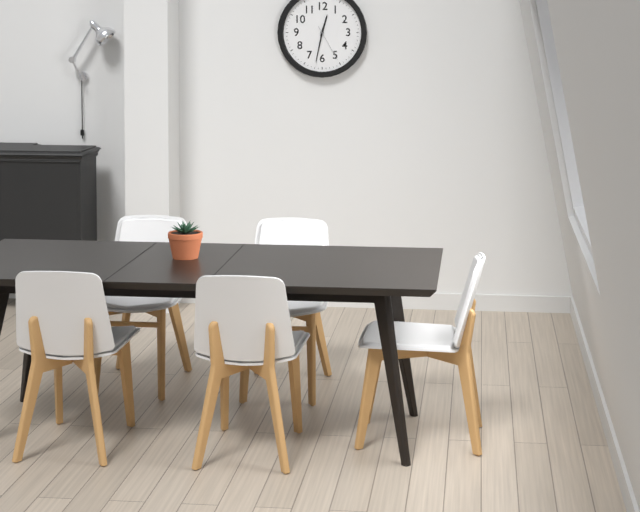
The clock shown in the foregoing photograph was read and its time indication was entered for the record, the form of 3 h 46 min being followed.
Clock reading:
12 h 32 min
